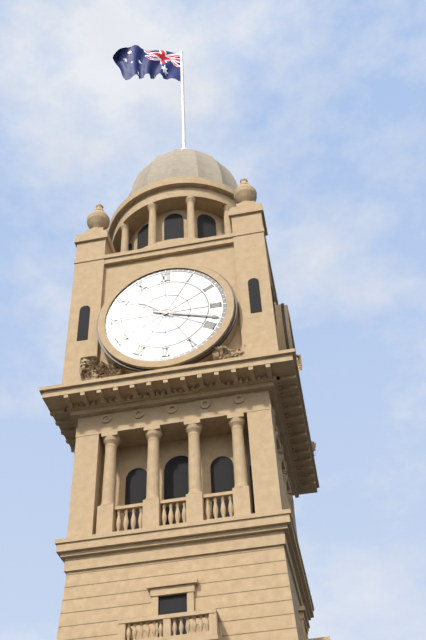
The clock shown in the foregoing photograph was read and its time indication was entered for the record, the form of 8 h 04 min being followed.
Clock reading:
10 h 18 min
